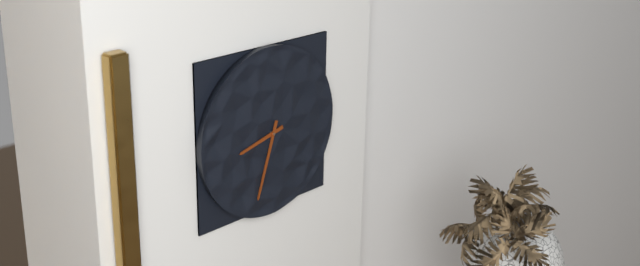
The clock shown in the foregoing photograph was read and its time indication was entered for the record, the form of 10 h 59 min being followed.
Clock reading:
8 h 33 min
